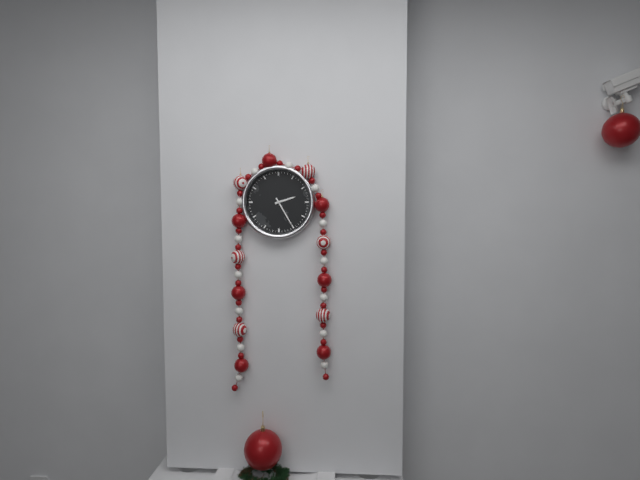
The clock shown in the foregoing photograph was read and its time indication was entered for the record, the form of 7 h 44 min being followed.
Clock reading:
2 h 25 min
